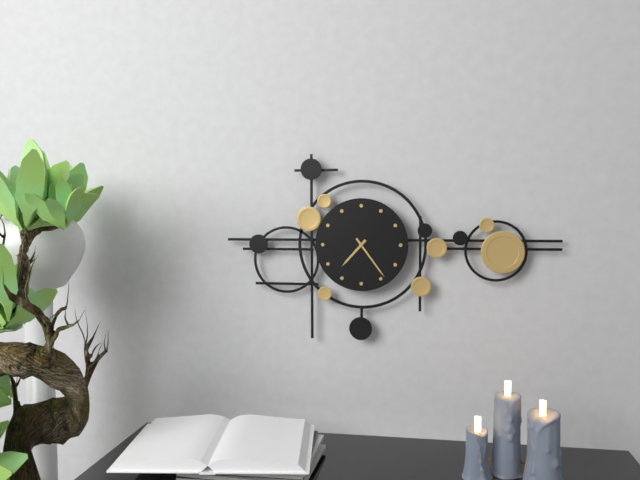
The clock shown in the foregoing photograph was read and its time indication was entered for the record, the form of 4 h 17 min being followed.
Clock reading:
7 h 24 min
